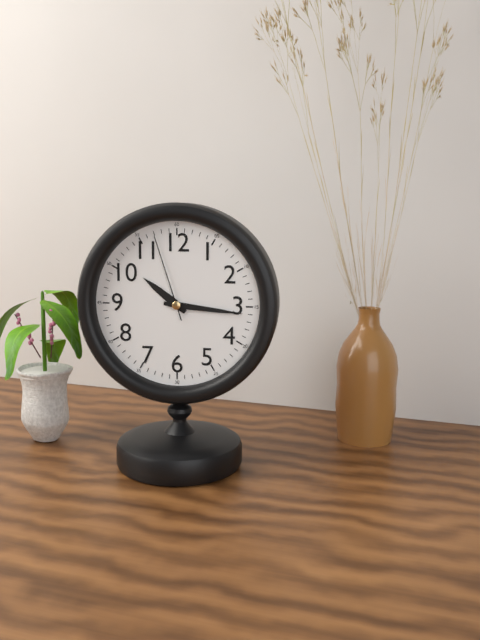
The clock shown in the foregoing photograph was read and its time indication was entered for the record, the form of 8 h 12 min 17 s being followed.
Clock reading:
10 h 16 min 57 s
